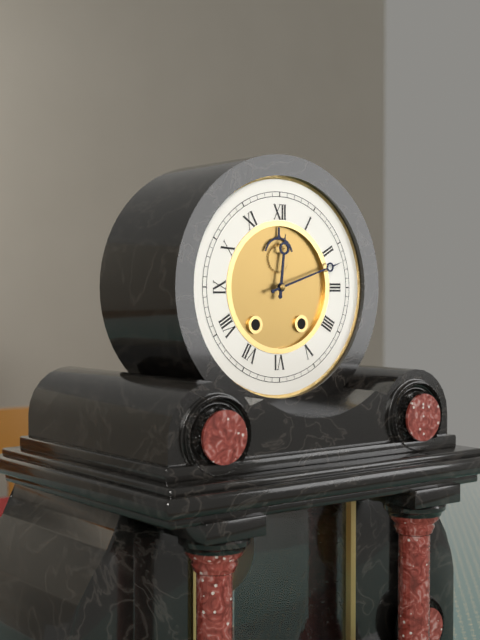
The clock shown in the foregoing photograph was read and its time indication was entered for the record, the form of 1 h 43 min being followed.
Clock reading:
12 h 12 min
